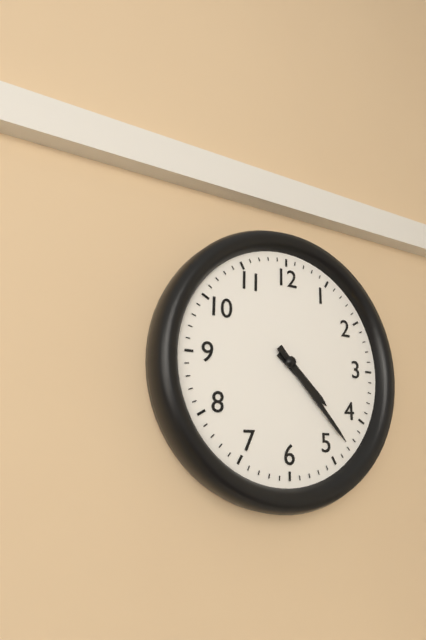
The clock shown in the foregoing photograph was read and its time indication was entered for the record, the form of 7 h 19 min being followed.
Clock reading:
4 h 23 min
